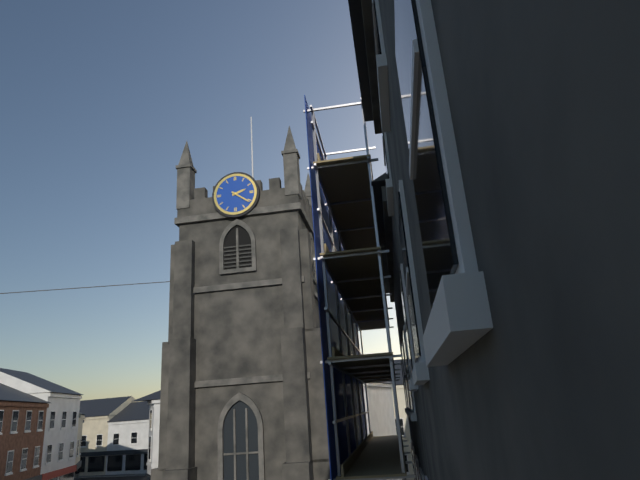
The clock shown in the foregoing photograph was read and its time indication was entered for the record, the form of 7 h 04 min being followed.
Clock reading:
2 h 21 min
